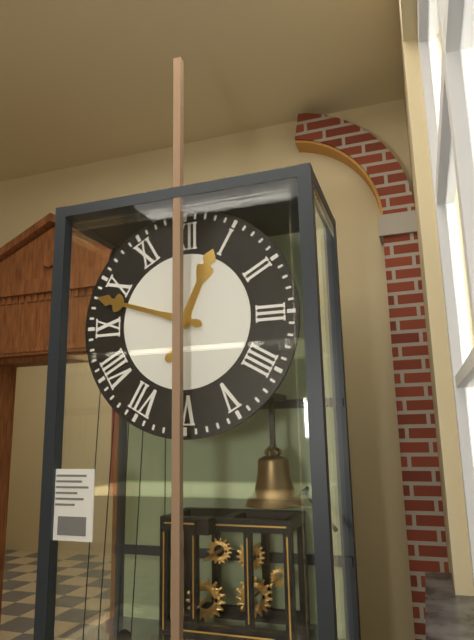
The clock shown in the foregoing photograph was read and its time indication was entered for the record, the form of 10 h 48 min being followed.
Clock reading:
12 h 48 min
